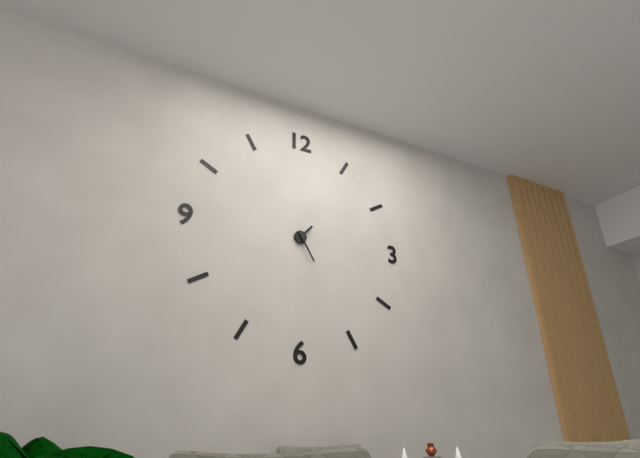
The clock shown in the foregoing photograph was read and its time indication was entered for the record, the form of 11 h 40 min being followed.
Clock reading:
1 h 25 min
